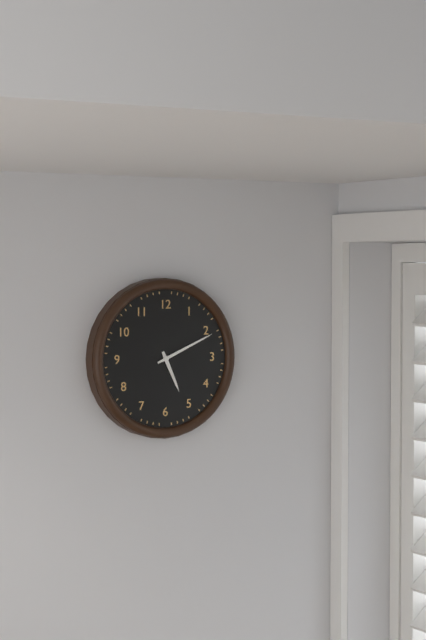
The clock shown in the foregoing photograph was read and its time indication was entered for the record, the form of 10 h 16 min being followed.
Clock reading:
5 h 11 min
